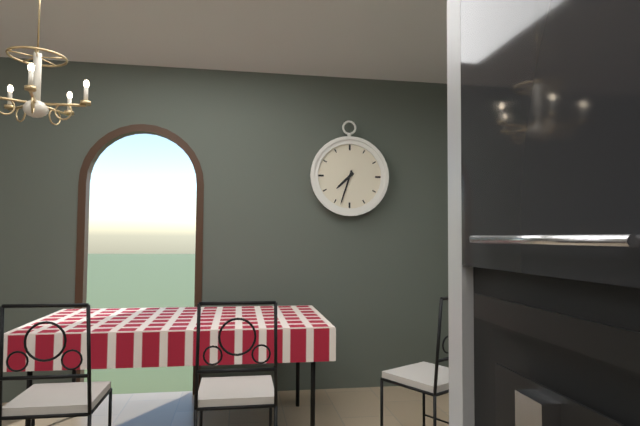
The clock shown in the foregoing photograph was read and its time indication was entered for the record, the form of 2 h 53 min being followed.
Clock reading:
7 h 33 min
